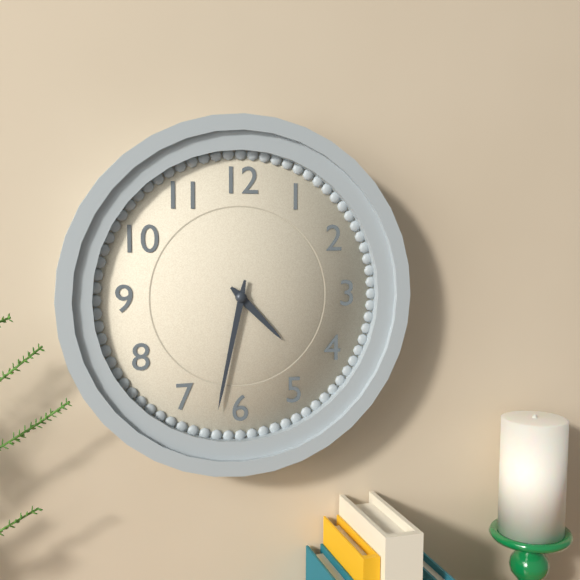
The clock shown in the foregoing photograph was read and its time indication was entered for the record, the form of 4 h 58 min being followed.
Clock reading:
4 h 32 min
